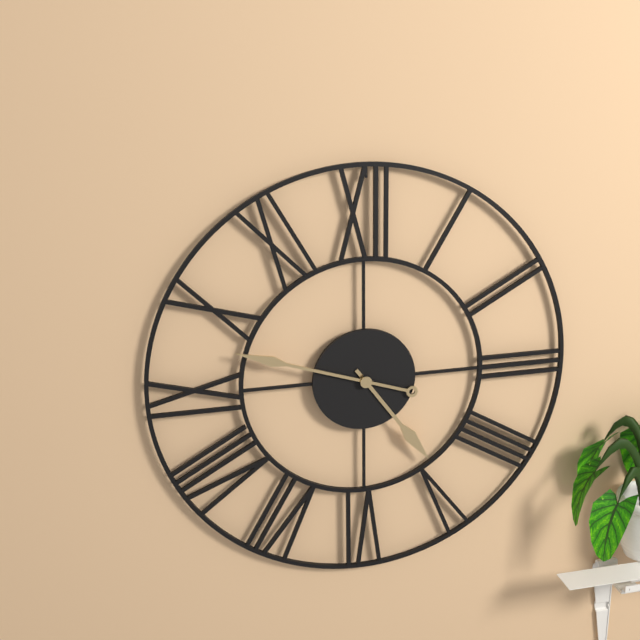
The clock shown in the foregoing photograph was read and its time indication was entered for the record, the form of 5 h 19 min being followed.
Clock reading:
4 h 48 min
